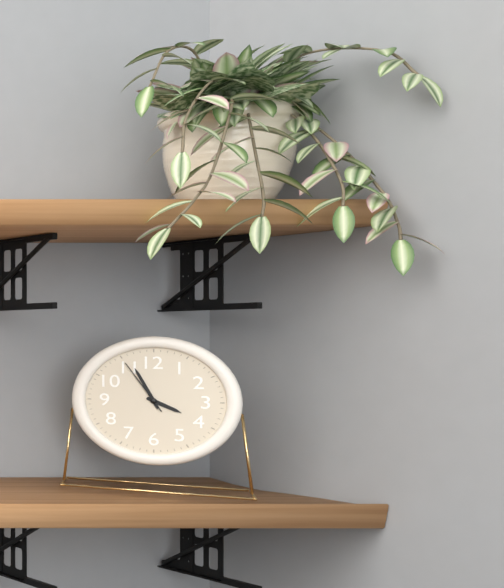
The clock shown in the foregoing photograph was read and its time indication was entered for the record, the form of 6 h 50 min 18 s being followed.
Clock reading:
3 h 56 min 55 s
